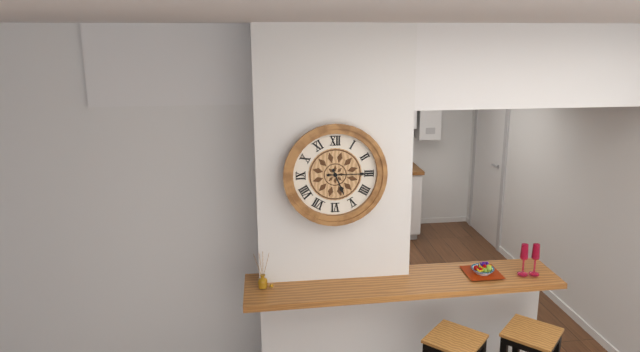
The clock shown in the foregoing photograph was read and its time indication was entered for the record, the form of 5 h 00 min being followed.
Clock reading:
5 h 15 min
